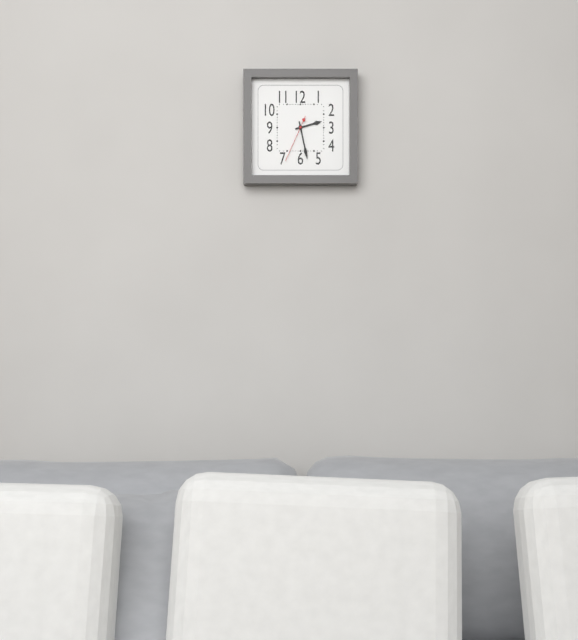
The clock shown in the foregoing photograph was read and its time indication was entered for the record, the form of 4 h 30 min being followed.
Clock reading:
2 h 28 min
